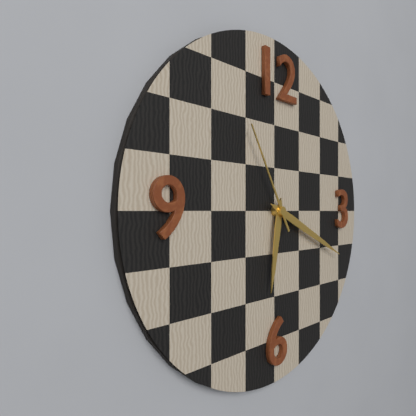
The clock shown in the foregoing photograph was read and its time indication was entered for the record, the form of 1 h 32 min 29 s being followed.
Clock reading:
6 h 19 min 55 s
